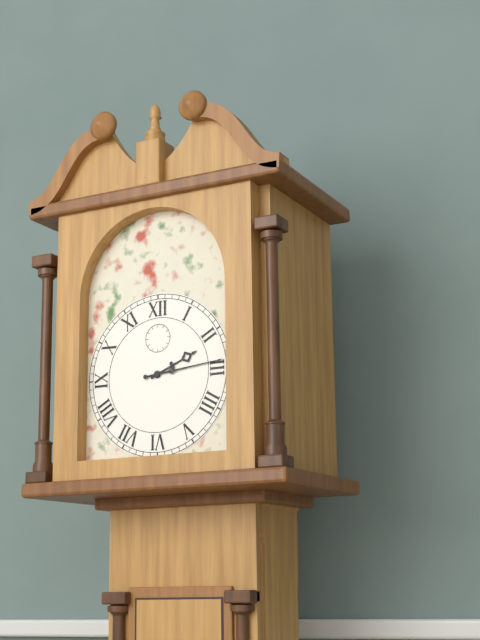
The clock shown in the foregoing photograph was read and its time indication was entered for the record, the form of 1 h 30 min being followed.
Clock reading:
2 h 14 min
